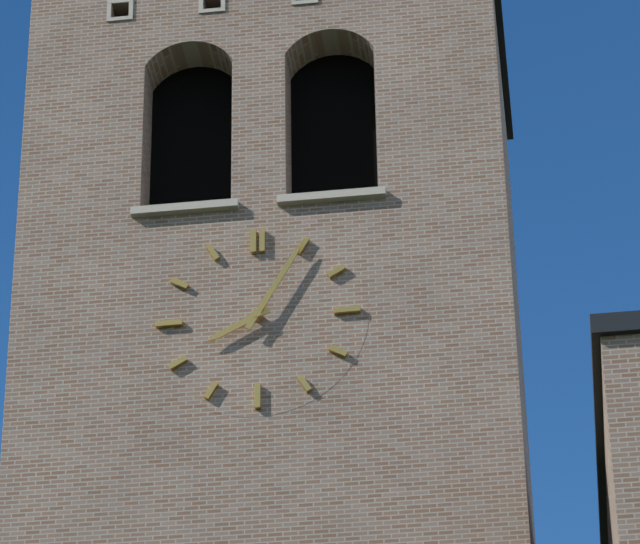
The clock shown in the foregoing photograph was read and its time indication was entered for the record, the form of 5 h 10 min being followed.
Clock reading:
8 h 05 min
